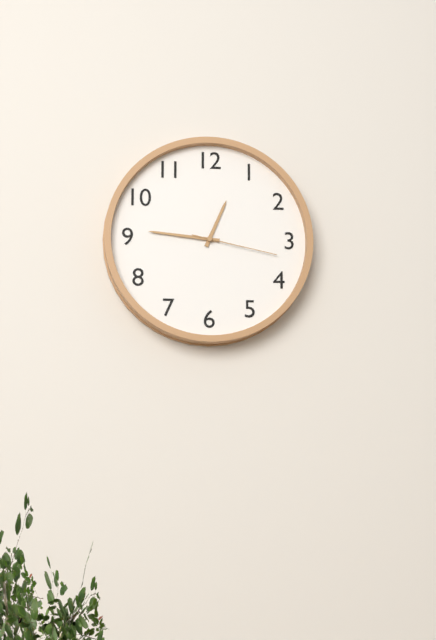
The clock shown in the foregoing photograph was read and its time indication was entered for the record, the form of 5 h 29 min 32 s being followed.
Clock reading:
12 h 46 min 17 s
